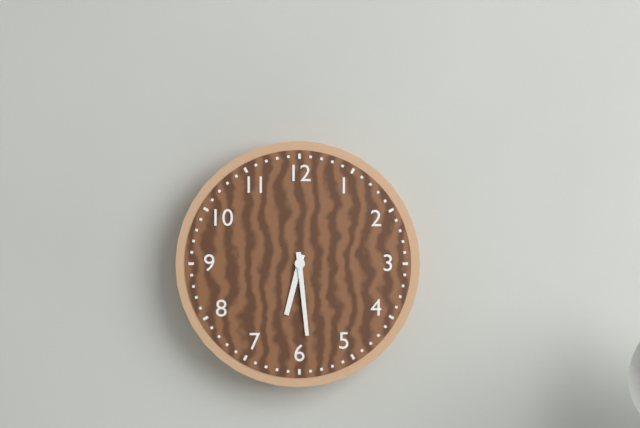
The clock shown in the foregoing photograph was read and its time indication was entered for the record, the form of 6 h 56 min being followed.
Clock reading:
6 h 29 min
